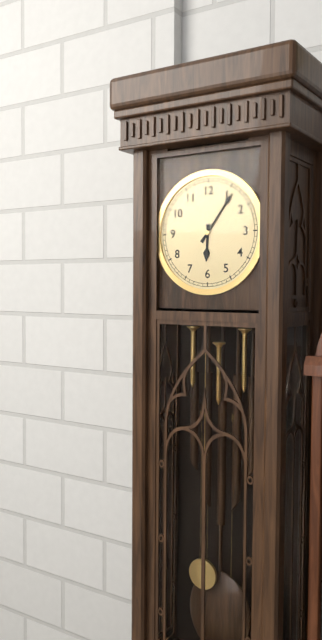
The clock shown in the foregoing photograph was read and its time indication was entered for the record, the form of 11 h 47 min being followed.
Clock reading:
6 h 06 min
